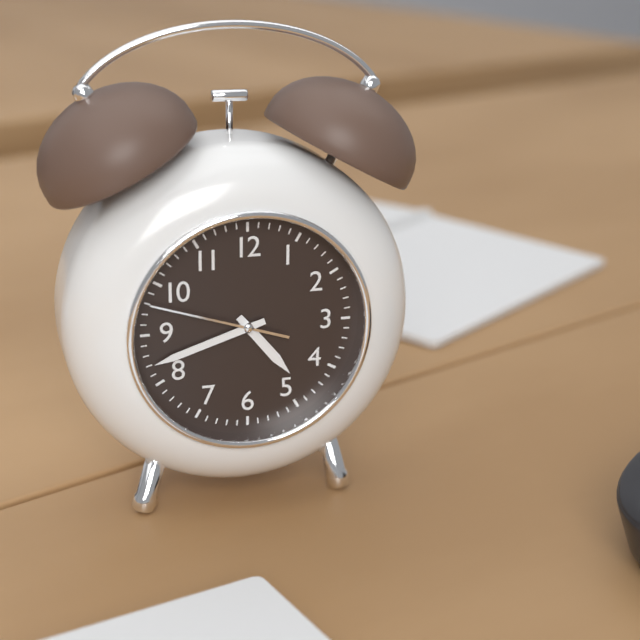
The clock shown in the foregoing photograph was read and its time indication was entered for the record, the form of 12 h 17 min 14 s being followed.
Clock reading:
4 h 42 min 48 s
